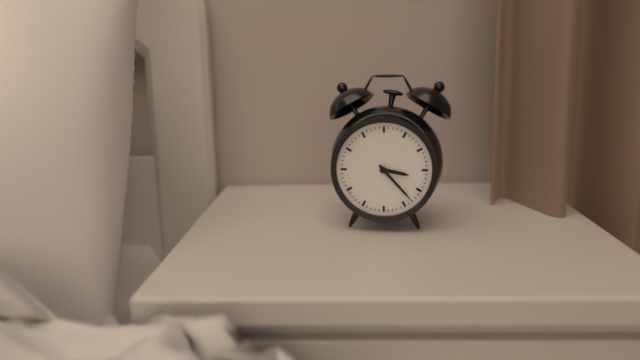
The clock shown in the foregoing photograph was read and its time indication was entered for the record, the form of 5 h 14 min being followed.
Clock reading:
3 h 23 min
